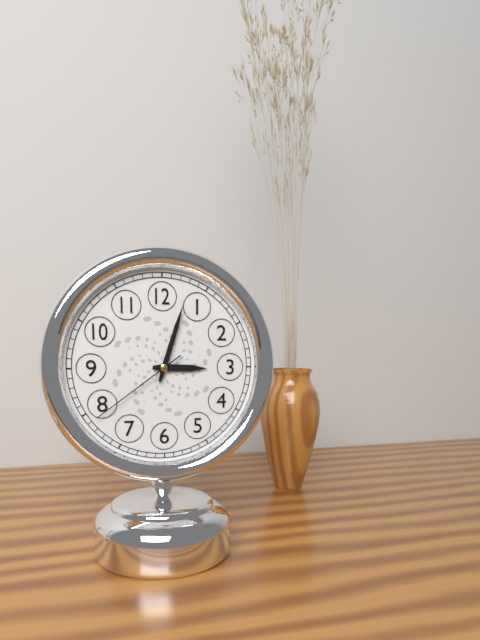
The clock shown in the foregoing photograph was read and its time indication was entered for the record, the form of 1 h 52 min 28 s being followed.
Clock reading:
3 h 03 min 39 s
